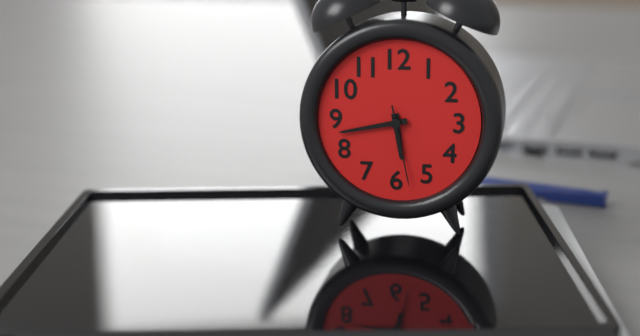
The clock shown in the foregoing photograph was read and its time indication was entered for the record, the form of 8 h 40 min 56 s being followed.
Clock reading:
5 h 43 min 28 s
